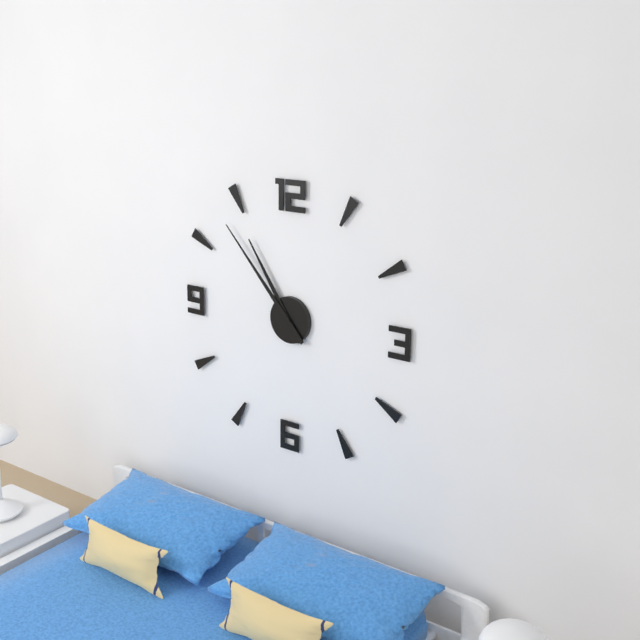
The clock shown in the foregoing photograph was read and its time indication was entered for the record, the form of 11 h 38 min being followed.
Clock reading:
10 h 53 min
